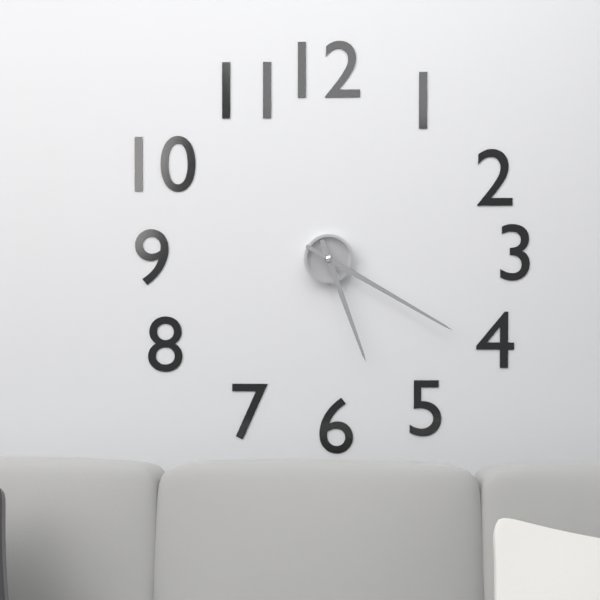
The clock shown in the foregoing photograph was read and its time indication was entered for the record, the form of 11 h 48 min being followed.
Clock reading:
5 h 20 min
